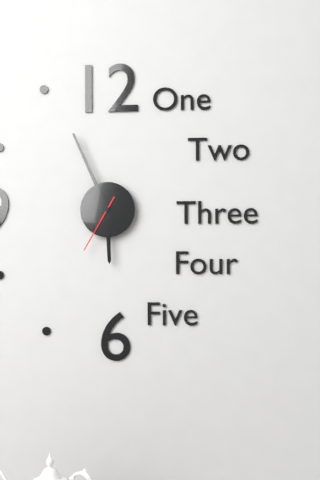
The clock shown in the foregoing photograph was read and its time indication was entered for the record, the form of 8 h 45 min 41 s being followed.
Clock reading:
5 h 56 min 35 s
